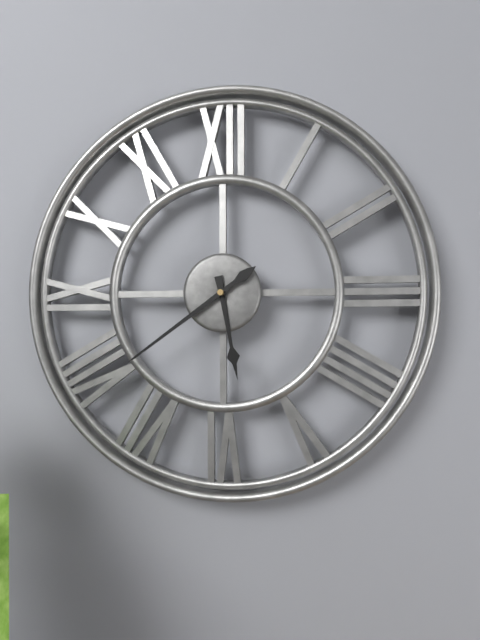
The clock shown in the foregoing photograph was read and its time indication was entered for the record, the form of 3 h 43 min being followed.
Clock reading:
5 h 39 min
